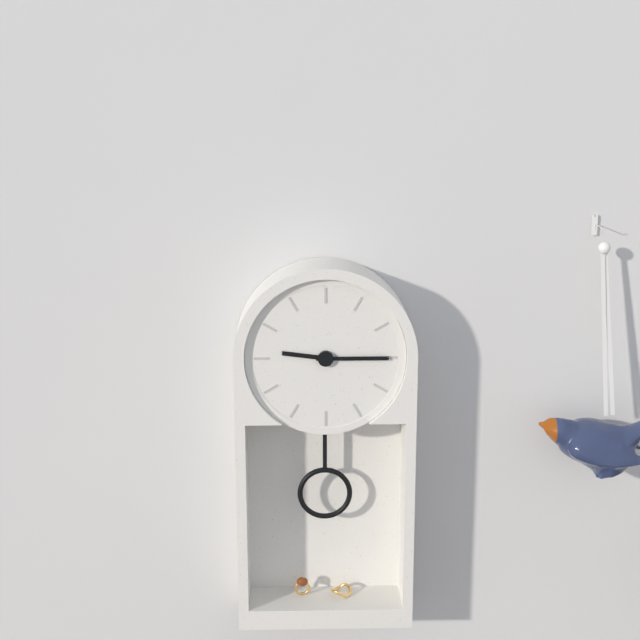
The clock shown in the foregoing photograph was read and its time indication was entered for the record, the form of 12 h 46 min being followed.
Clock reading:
9 h 15 min
